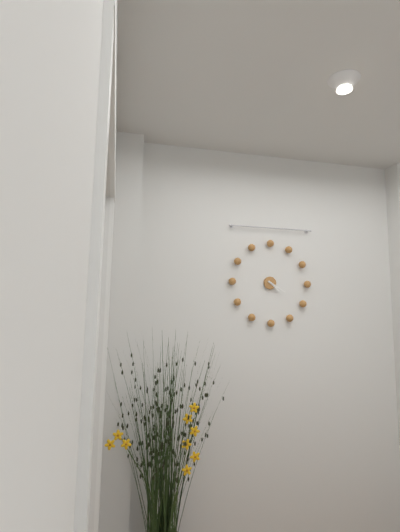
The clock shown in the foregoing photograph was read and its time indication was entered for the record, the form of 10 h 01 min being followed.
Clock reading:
4 h 20 min
